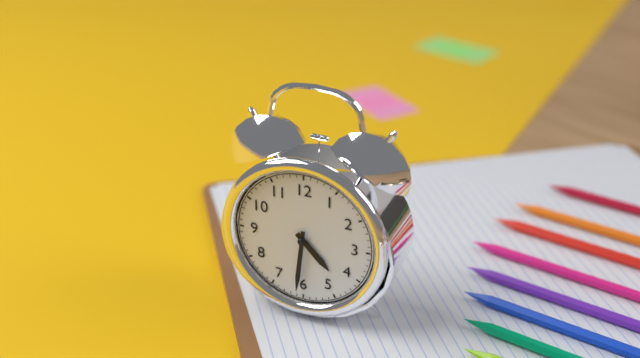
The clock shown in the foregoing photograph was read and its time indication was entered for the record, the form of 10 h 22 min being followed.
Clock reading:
4 h 31 min
